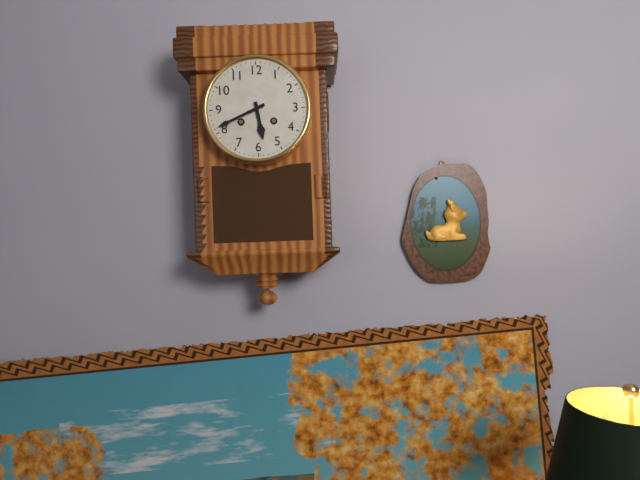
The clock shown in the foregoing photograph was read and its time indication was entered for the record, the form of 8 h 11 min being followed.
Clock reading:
5 h 41 min
